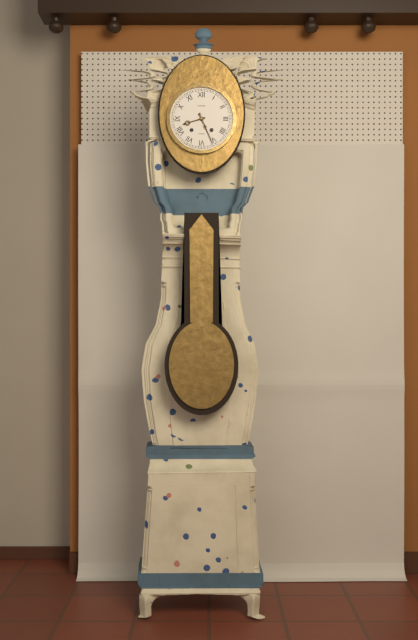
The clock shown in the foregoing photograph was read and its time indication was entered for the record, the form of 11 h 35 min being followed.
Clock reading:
8 h 26 min
